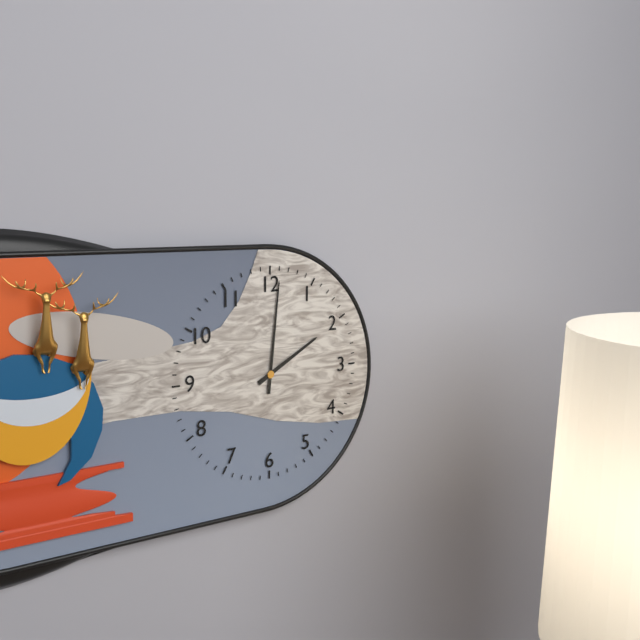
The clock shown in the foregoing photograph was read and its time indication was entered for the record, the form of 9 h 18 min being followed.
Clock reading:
2 h 01 min
